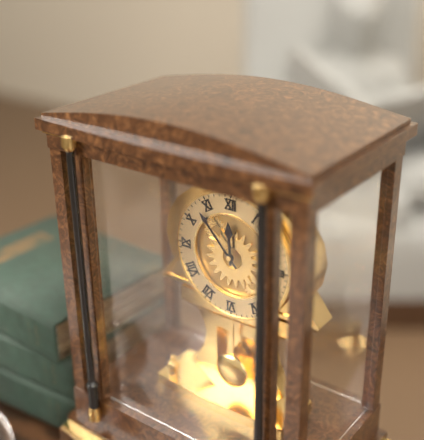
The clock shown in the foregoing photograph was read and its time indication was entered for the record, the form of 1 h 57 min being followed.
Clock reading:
11 h 53 min
